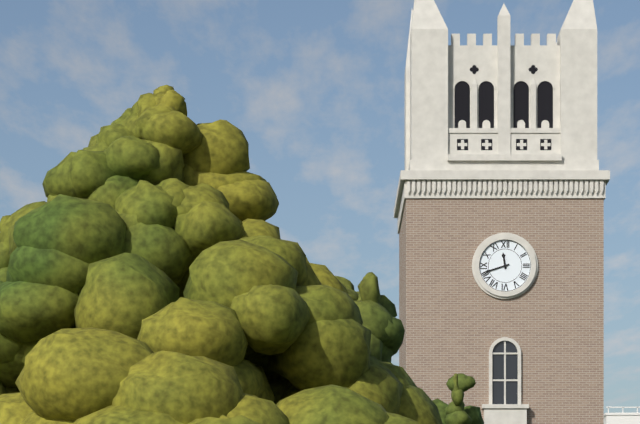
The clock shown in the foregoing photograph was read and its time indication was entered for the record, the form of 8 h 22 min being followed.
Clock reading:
11 h 42 min
